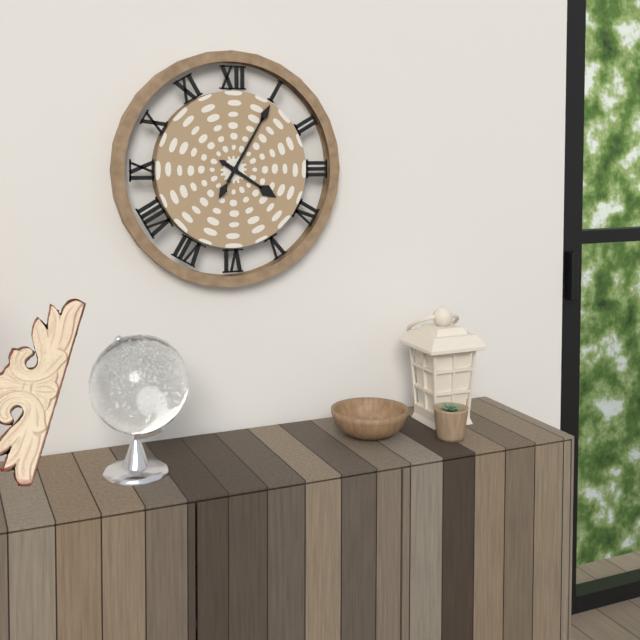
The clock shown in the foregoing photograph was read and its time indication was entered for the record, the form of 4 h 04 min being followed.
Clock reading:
4 h 05 min
